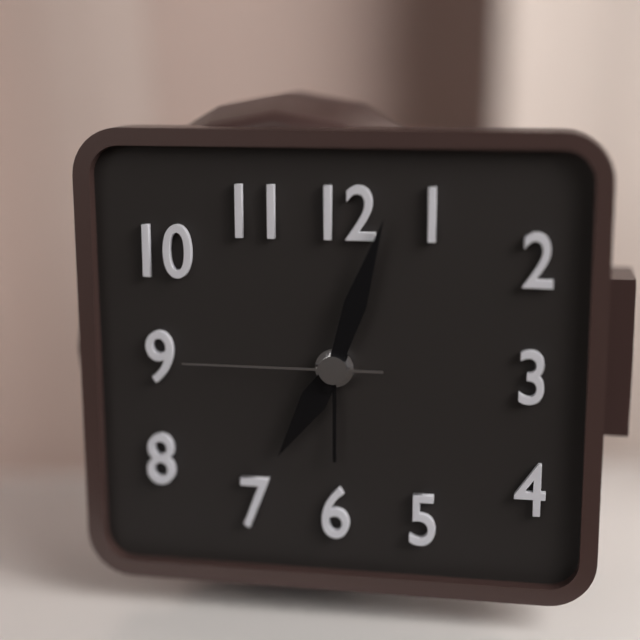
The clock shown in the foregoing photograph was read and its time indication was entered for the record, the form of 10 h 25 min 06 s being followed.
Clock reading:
7 h 03 min 45 s
